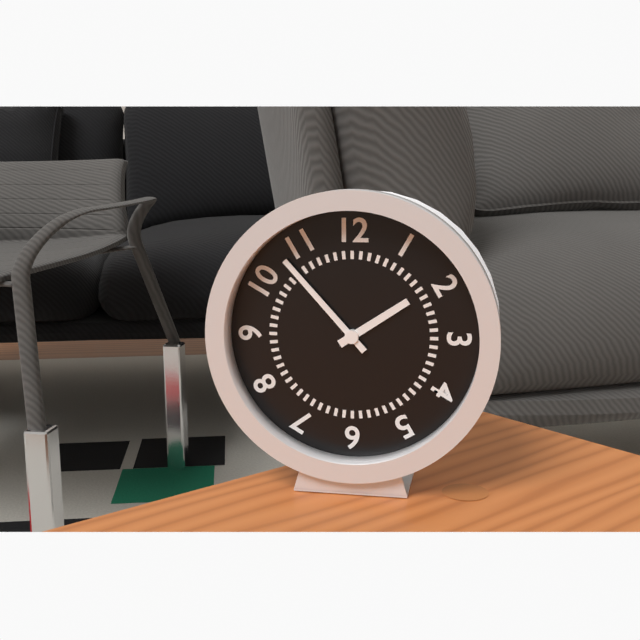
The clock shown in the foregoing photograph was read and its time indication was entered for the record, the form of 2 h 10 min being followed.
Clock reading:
1 h 53 min
